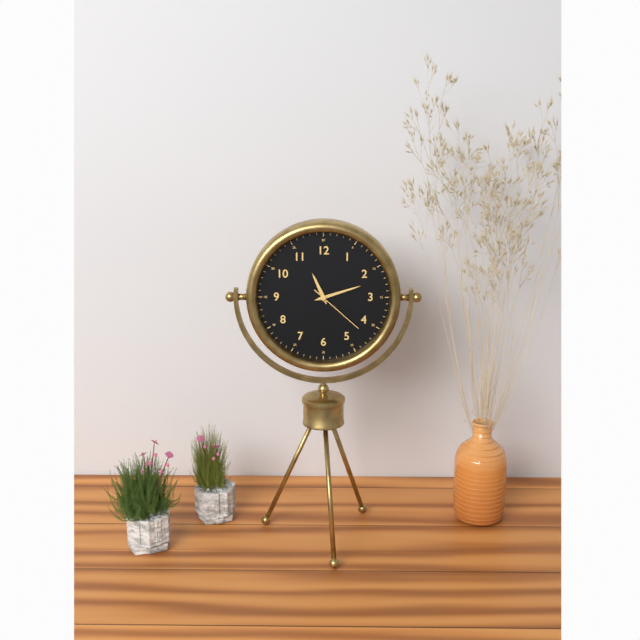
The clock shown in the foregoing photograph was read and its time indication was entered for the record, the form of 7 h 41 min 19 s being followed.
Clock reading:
11 h 12 min 22 s
